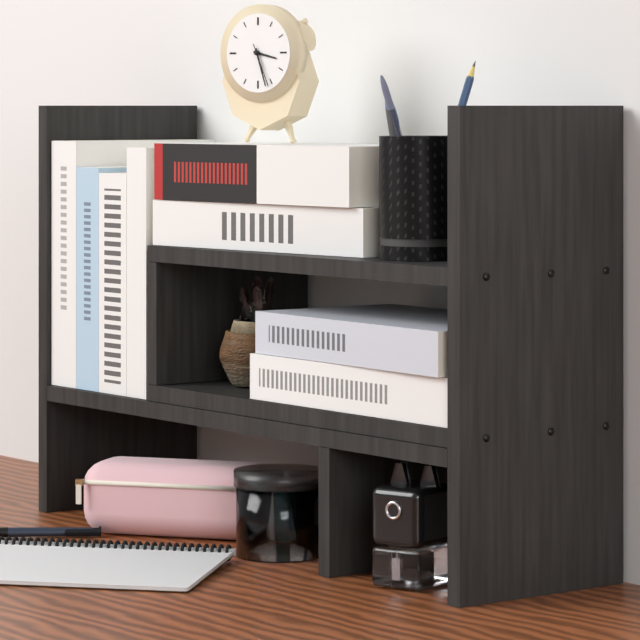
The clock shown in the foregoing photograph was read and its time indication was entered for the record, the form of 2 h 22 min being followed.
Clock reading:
3 h 27 min
